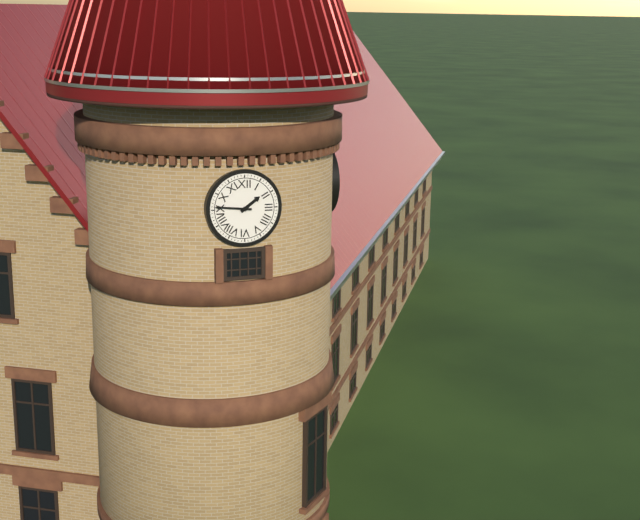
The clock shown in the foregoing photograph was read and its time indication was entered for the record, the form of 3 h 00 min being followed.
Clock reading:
1 h 46 min
